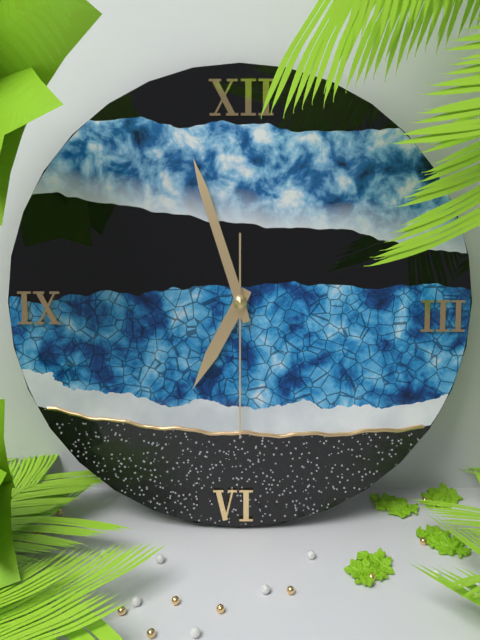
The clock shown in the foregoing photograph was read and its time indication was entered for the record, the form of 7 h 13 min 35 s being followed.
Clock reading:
6 h 57 min 30 s
